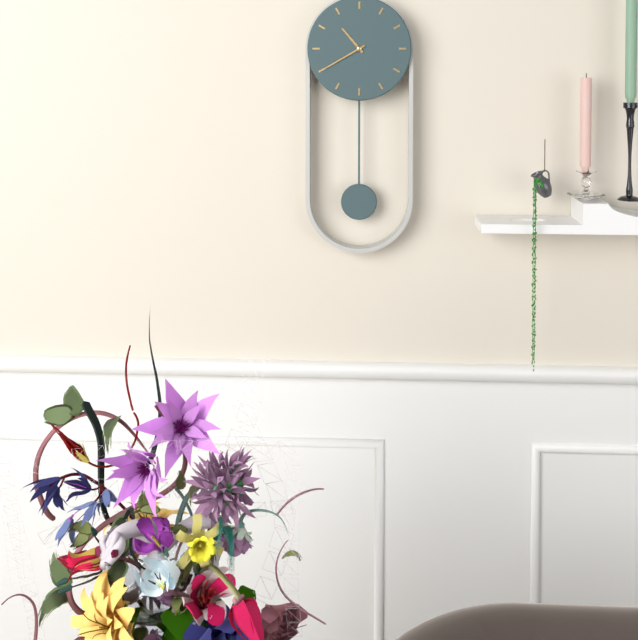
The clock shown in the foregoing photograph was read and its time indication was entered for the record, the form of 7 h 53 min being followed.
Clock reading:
10 h 40 min
